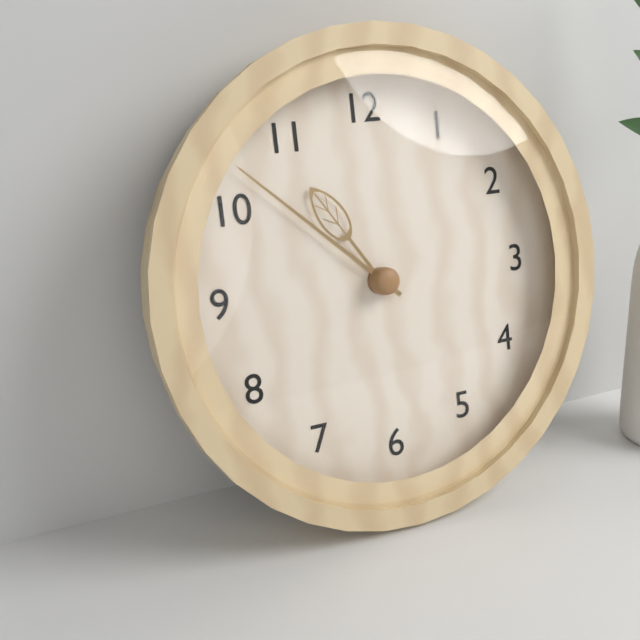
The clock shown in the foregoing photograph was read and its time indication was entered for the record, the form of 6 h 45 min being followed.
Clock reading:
10 h 52 min
